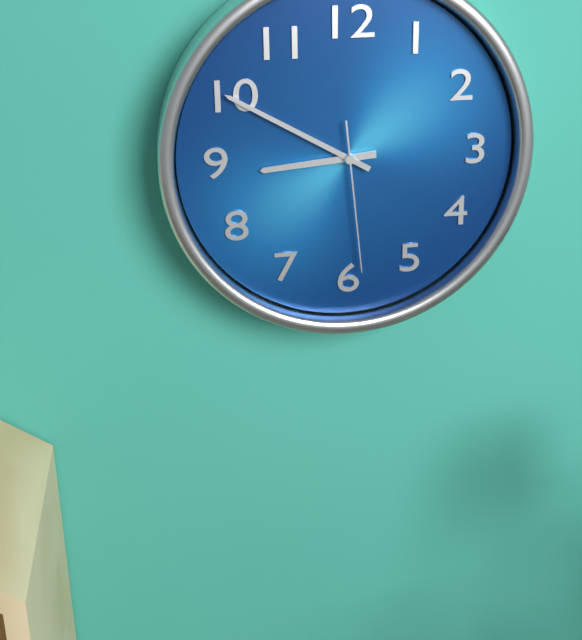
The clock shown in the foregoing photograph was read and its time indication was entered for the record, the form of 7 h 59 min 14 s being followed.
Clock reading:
8 h 50 min 29 s
